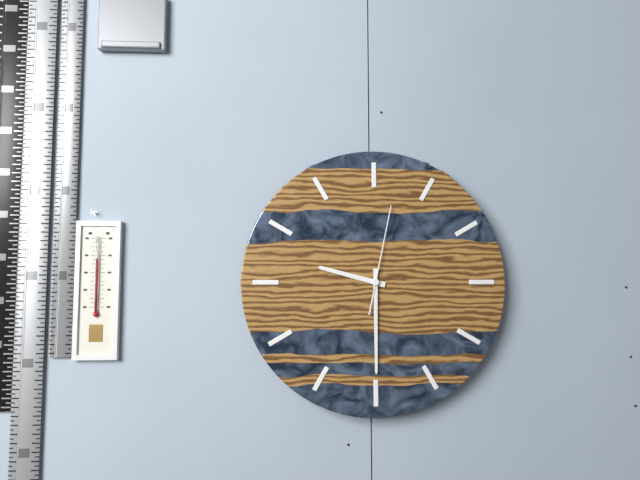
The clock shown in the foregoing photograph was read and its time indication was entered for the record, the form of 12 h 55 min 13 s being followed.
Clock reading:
9 h 30 min 02 s
